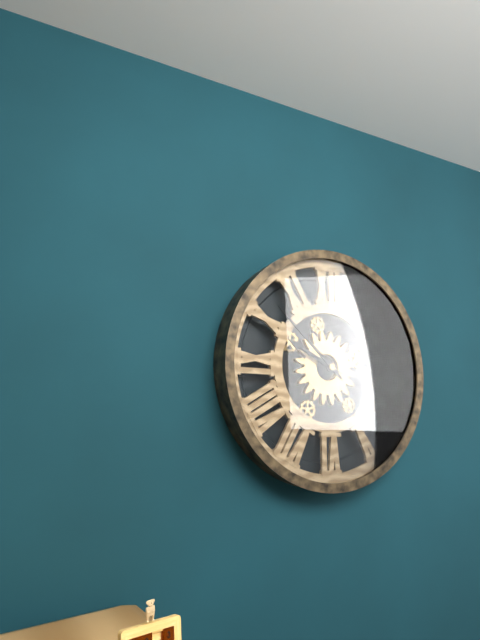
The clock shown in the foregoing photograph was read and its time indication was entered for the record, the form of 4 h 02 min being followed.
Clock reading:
9 h 52 min
